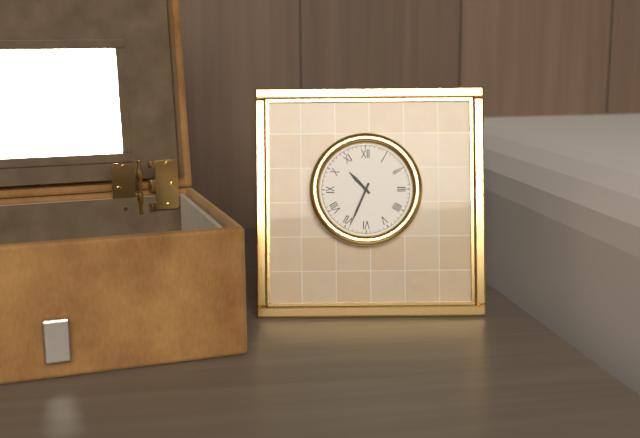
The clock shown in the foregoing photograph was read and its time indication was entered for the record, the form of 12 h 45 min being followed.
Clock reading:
10 h 34 min
